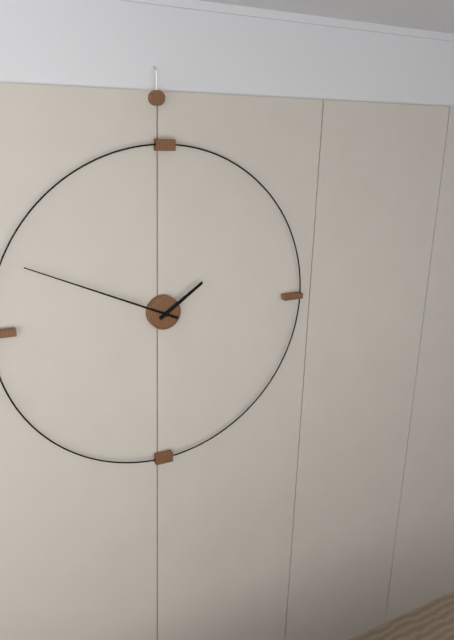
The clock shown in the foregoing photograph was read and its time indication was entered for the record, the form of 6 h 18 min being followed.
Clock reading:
1 h 49 min
